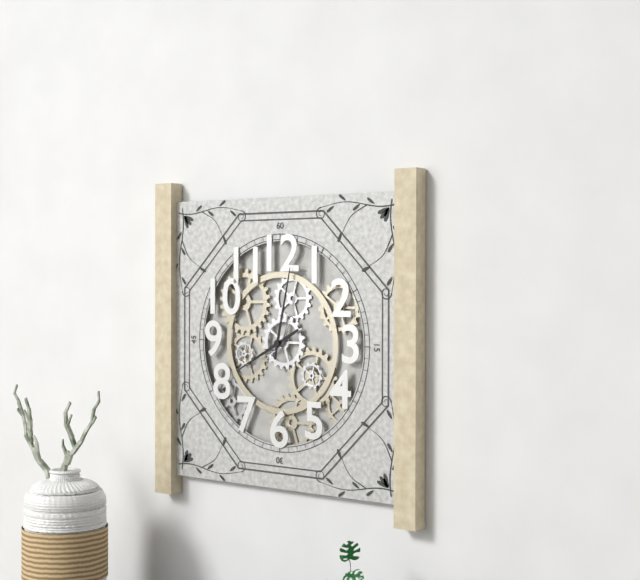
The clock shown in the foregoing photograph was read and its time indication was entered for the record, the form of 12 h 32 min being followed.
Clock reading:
8 h 02 min
